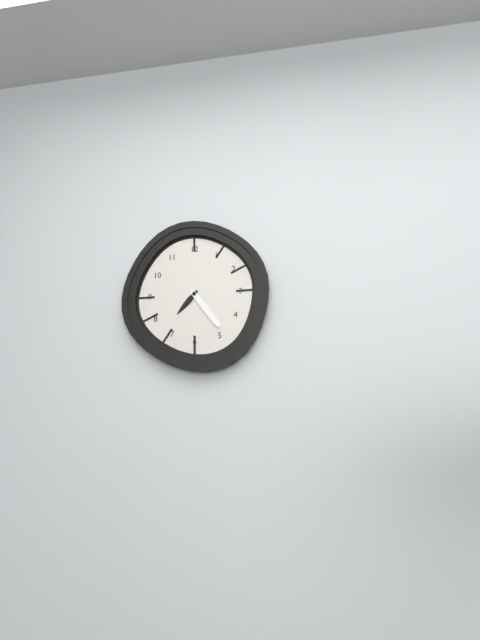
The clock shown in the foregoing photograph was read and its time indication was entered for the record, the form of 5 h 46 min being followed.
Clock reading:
7 h 24 min
